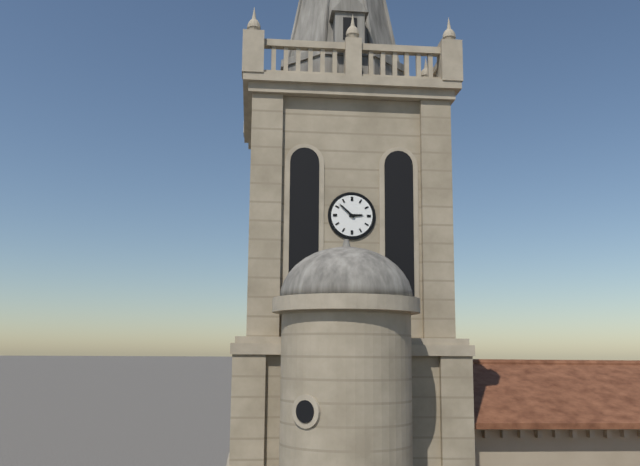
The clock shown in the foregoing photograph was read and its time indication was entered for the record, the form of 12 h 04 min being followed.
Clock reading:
2 h 52 min
